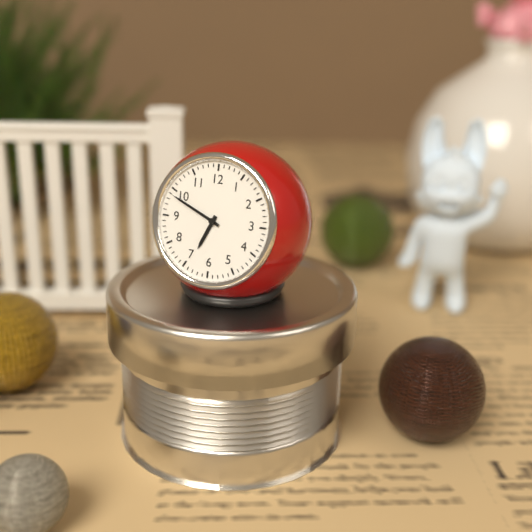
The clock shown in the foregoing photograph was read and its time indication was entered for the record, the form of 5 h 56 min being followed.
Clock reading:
6 h 49 min
